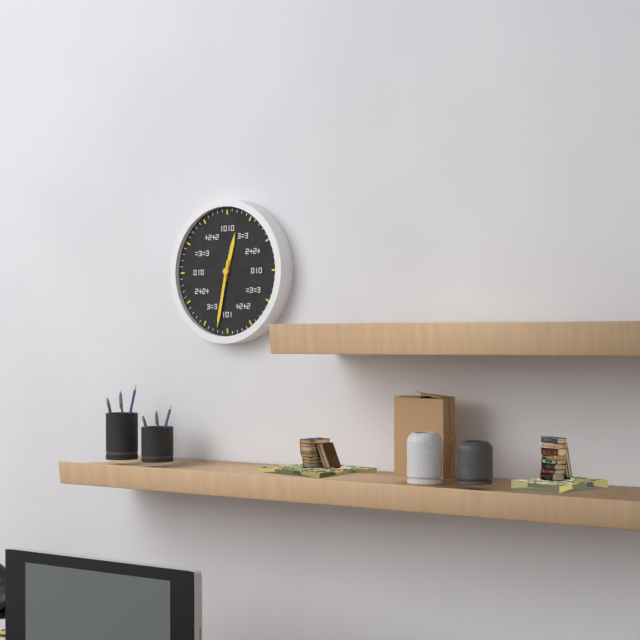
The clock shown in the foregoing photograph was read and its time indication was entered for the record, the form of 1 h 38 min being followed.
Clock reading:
12 h 32 min
